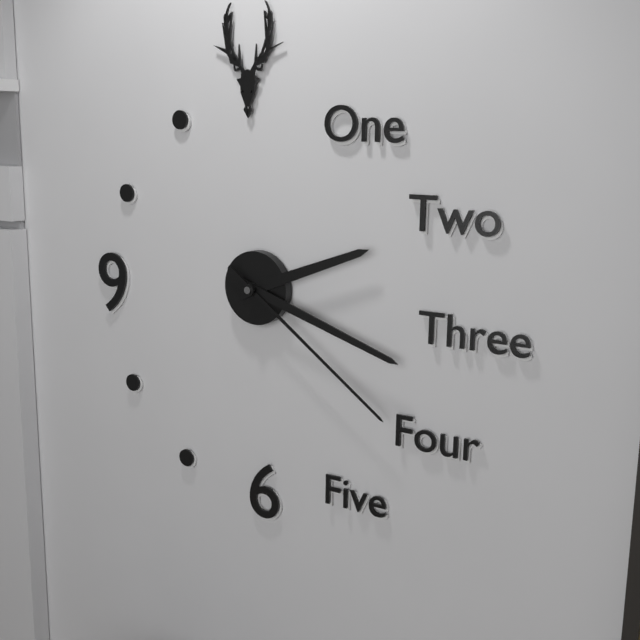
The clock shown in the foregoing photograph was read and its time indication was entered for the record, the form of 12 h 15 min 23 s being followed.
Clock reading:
2 h 18 min 21 s
